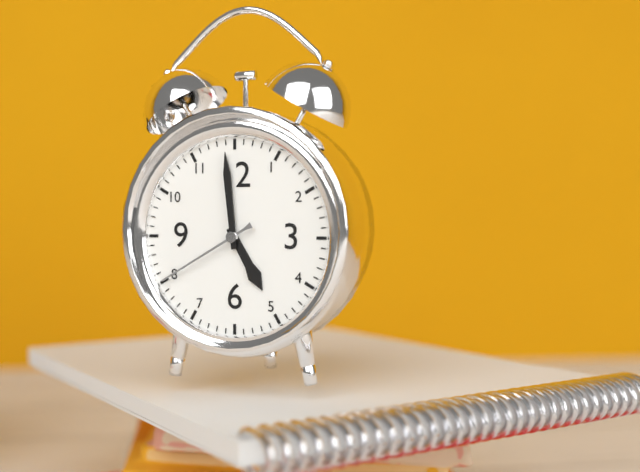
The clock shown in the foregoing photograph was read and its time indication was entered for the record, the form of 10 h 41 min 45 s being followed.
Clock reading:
4 h 59 min 40 s
